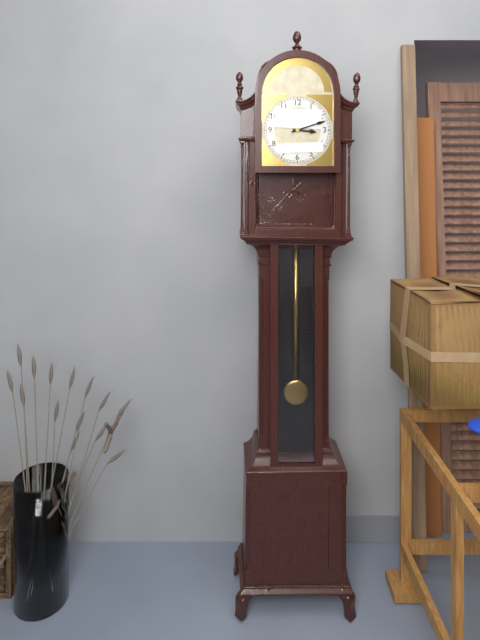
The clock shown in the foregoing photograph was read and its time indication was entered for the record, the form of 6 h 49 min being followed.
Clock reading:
3 h 12 min
